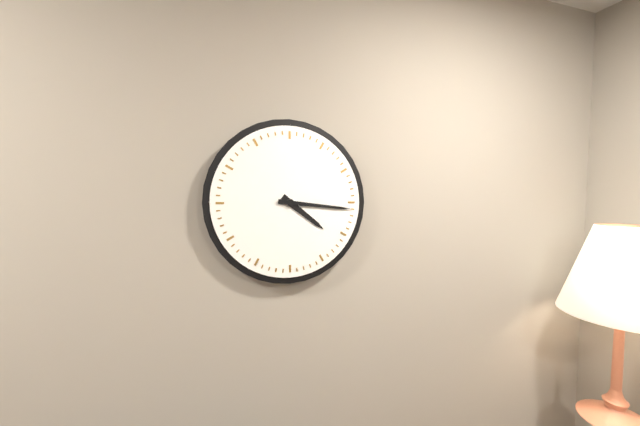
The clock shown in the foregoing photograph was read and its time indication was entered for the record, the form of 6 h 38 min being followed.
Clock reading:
4 h 16 min
